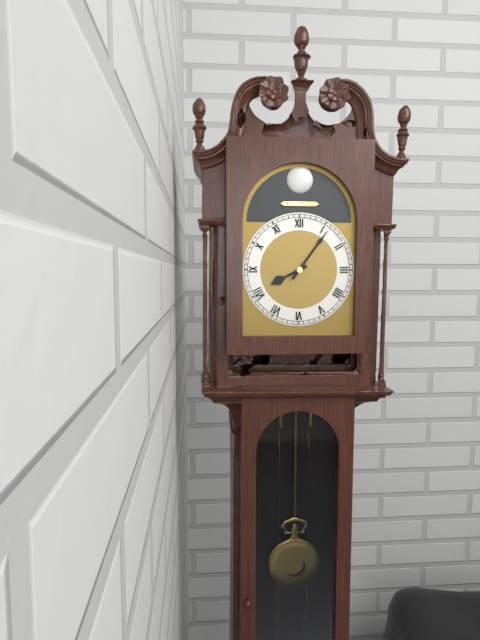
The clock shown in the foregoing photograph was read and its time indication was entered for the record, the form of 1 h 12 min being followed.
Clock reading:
8 h 06 min
